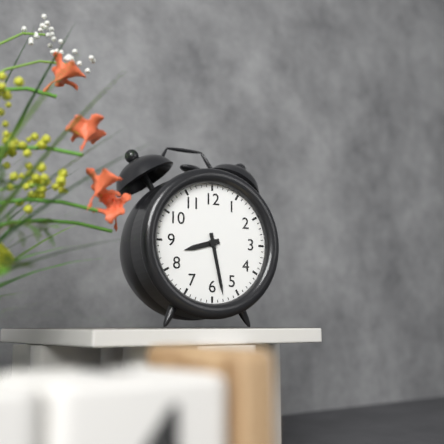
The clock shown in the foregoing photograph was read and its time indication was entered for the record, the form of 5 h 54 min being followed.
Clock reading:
8 h 28 min
